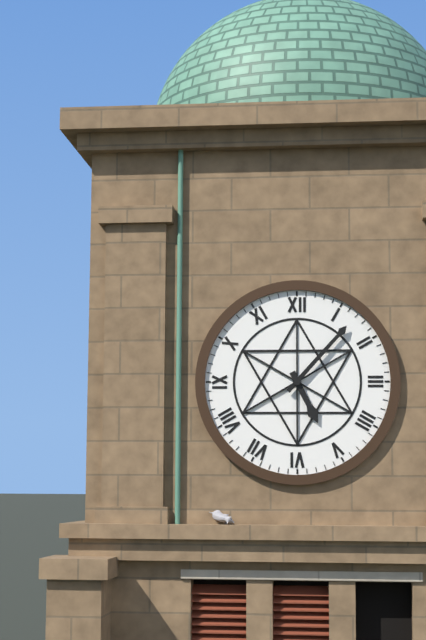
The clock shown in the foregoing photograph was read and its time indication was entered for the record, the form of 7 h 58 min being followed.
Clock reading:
5 h 07 min
